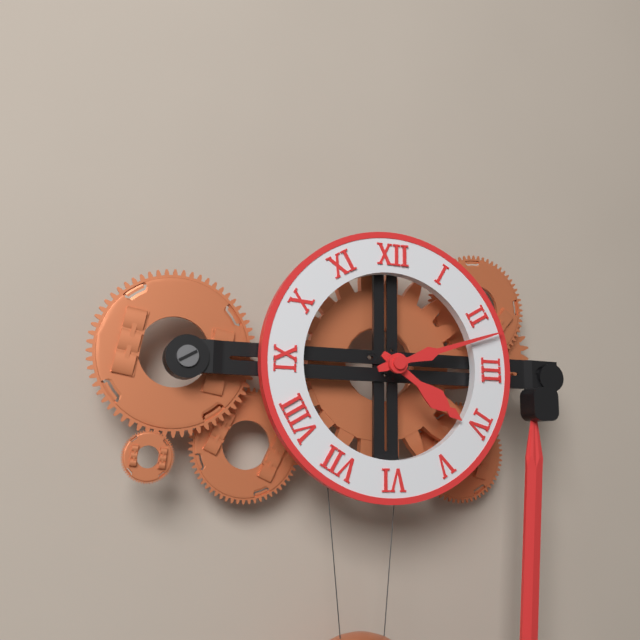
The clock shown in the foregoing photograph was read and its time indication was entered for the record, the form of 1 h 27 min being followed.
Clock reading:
4 h 12 min
